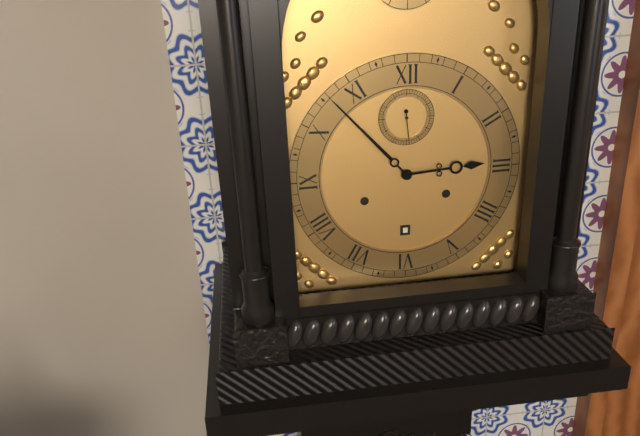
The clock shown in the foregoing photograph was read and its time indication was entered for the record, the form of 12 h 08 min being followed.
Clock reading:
2 h 53 min
